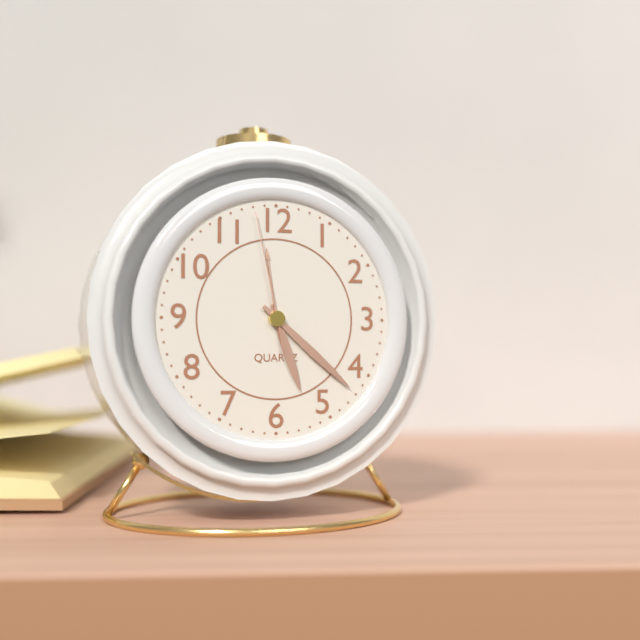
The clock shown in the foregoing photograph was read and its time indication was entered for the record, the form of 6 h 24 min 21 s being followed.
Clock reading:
5 h 22 min 58 s
